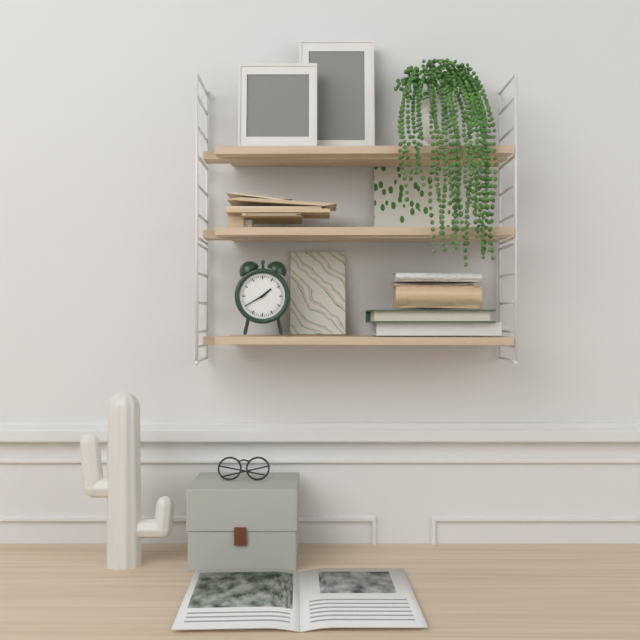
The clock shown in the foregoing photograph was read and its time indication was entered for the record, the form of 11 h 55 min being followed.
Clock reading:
1 h 40 min
